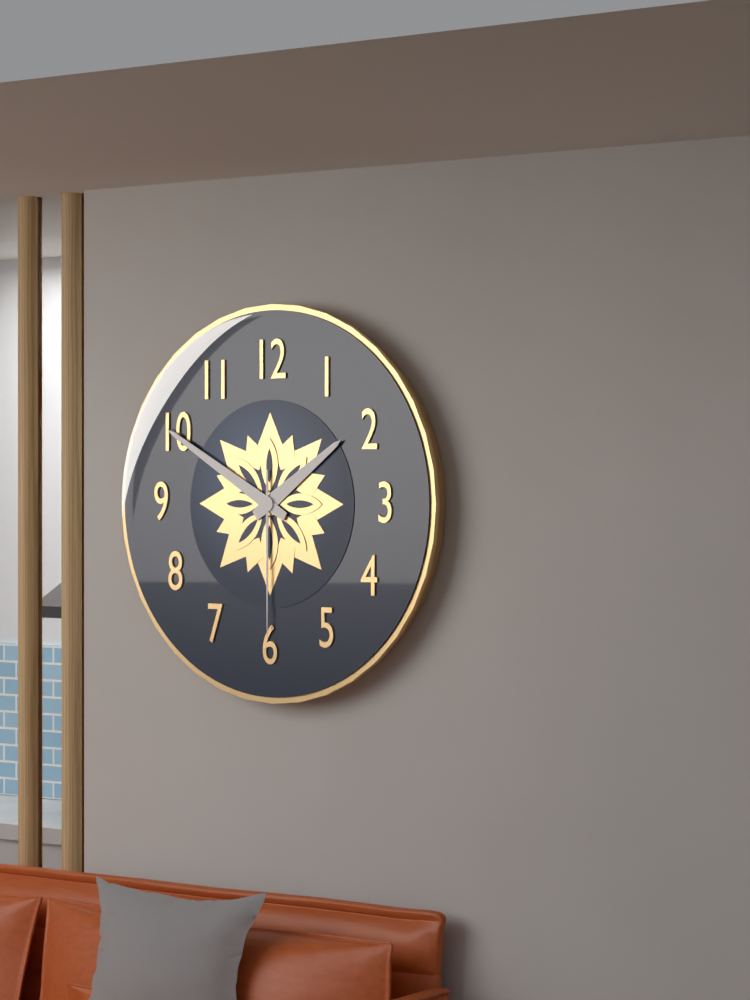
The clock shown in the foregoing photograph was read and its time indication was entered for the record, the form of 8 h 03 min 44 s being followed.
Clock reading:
1 h 50 min 30 s
